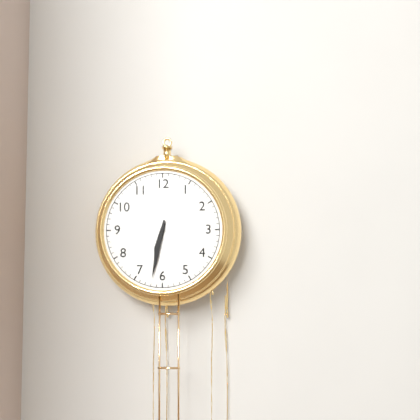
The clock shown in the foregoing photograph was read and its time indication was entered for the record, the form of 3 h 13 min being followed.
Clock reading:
6 h 32 min
